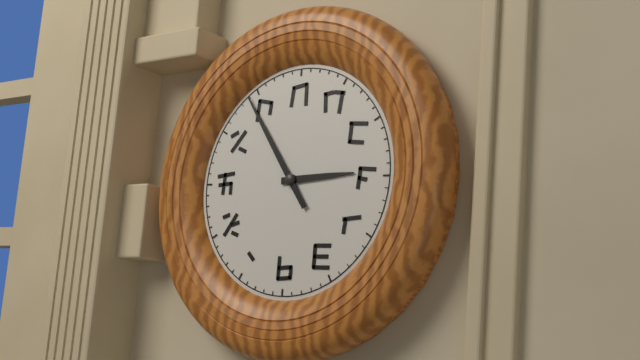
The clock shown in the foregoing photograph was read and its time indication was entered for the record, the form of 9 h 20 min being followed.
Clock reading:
2 h 54 min
